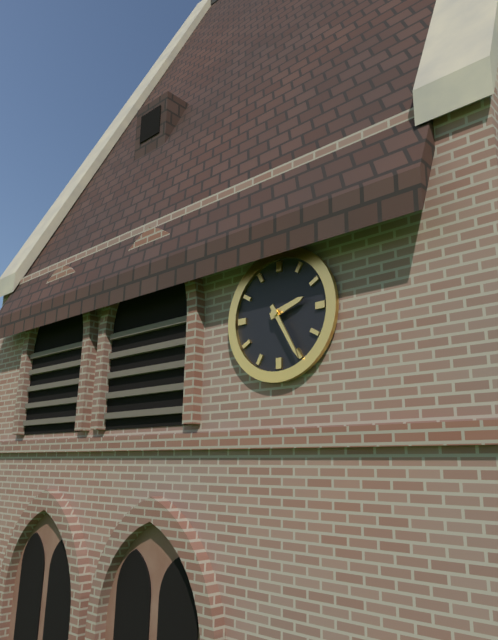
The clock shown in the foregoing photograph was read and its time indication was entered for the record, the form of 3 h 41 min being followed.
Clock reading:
2 h 25 min
